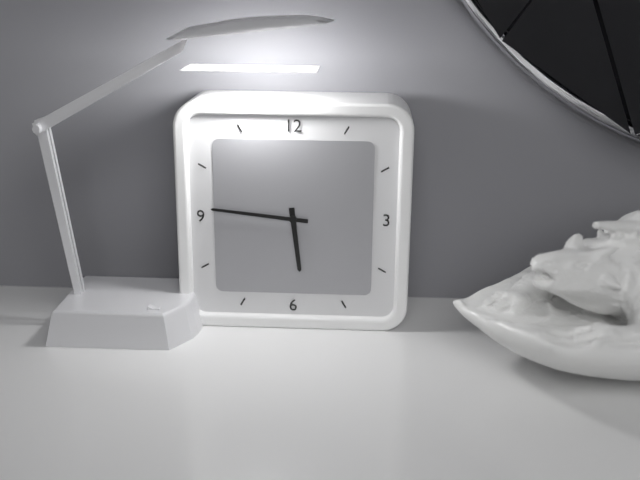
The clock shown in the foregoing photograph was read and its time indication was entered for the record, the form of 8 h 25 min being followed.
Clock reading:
5 h 46 min
